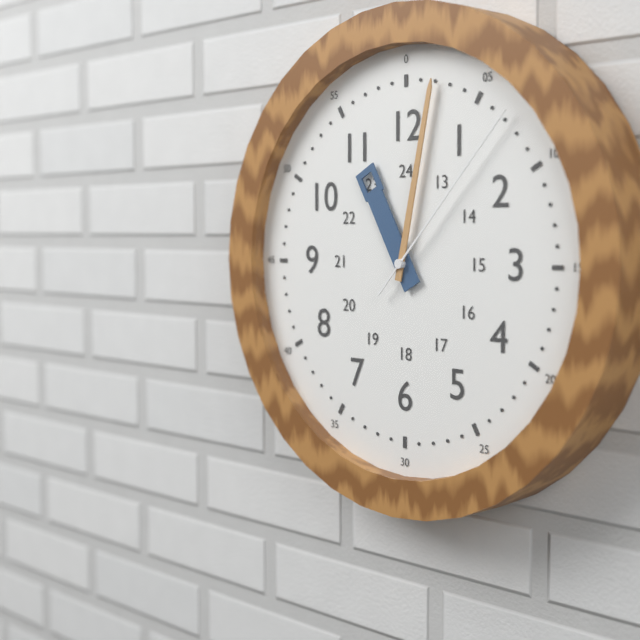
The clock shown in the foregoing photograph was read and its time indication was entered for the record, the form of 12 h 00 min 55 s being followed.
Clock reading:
11 h 02 min 07 s
